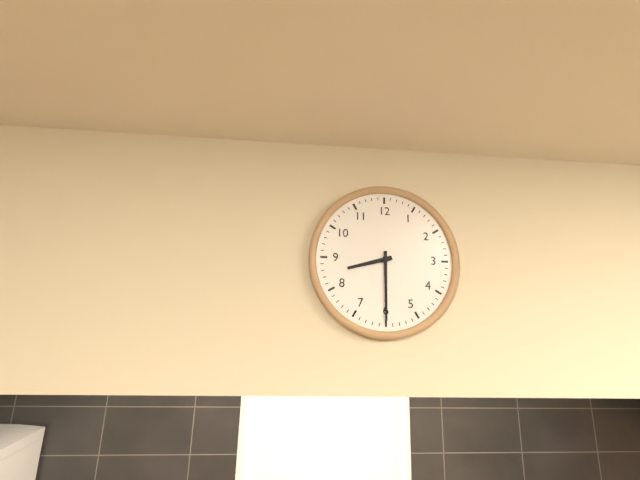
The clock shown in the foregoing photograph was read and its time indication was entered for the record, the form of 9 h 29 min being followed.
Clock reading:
8 h 30 min
